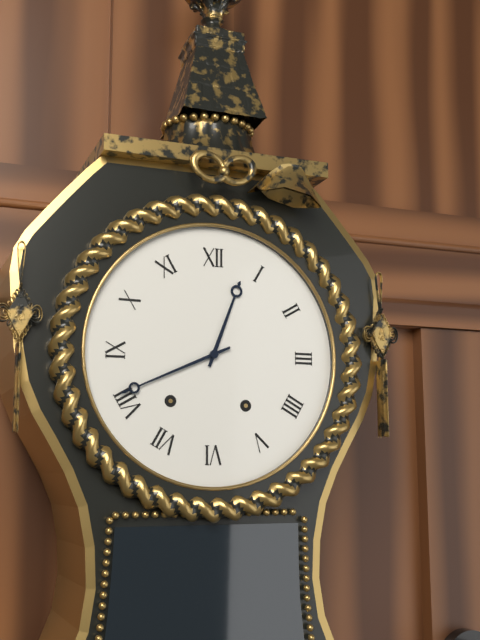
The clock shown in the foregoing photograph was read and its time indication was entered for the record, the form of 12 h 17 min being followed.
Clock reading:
12 h 41 min
